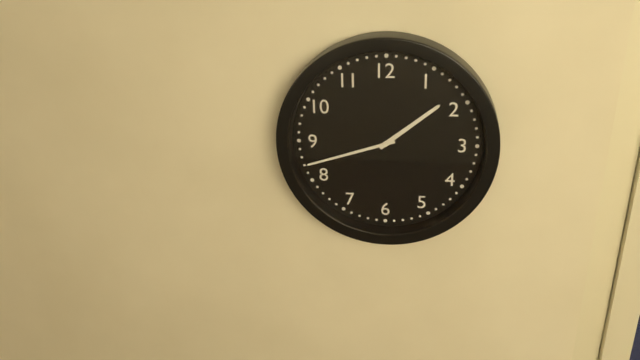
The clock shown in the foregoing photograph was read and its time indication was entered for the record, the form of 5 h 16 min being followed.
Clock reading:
1 h 42 min
